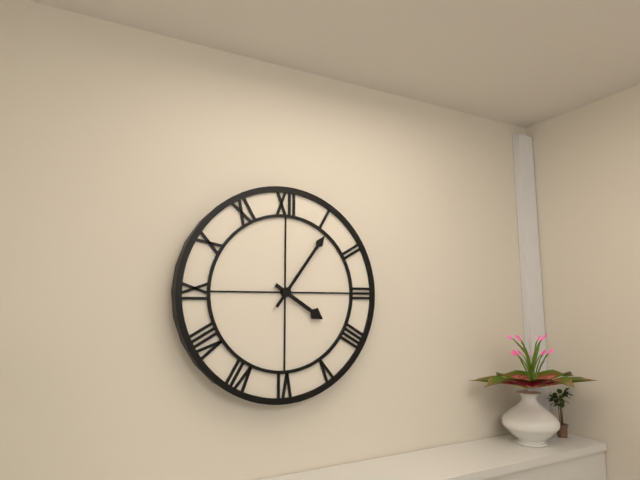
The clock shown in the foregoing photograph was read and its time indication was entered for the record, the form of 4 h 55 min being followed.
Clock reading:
4 h 06 min
